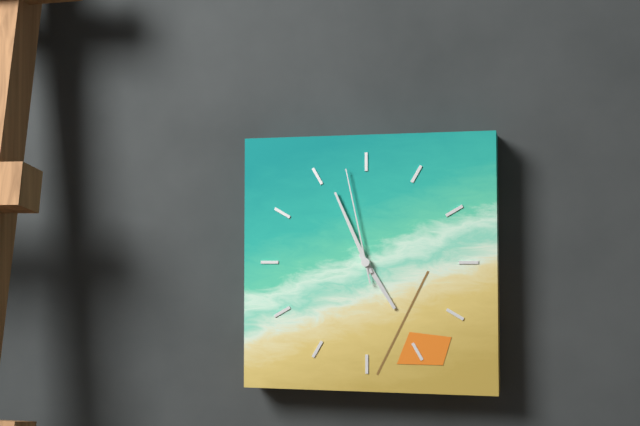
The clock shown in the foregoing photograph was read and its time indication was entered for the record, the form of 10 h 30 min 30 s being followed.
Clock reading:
4 h 56 min 58 s
